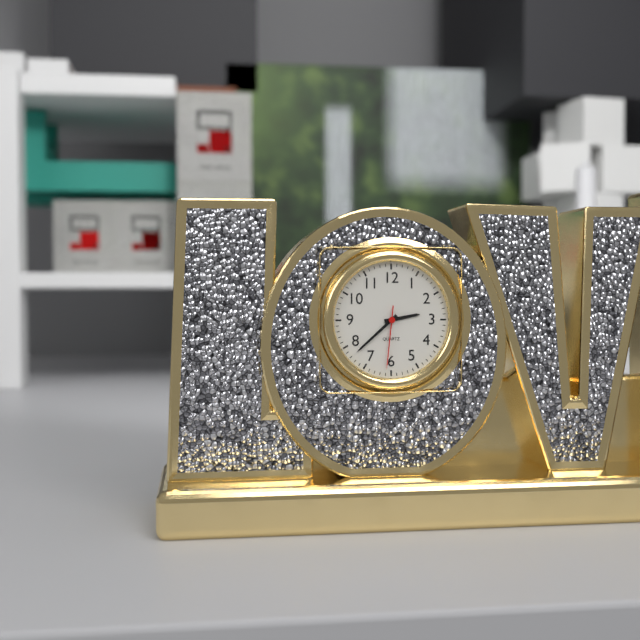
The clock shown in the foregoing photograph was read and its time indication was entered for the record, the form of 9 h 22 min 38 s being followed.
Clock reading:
2 h 38 min 31 s
